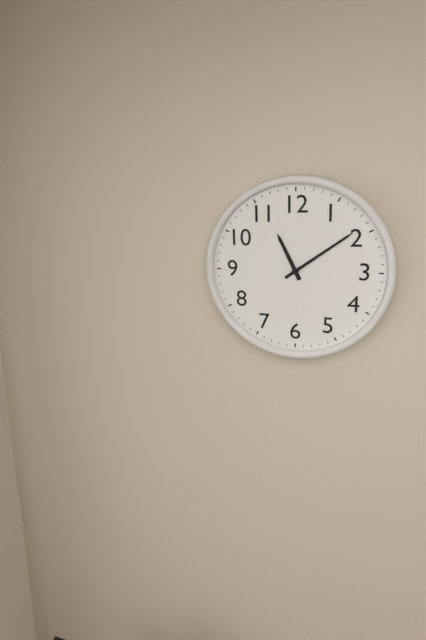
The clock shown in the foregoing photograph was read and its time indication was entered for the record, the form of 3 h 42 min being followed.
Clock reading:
11 h 09 min
